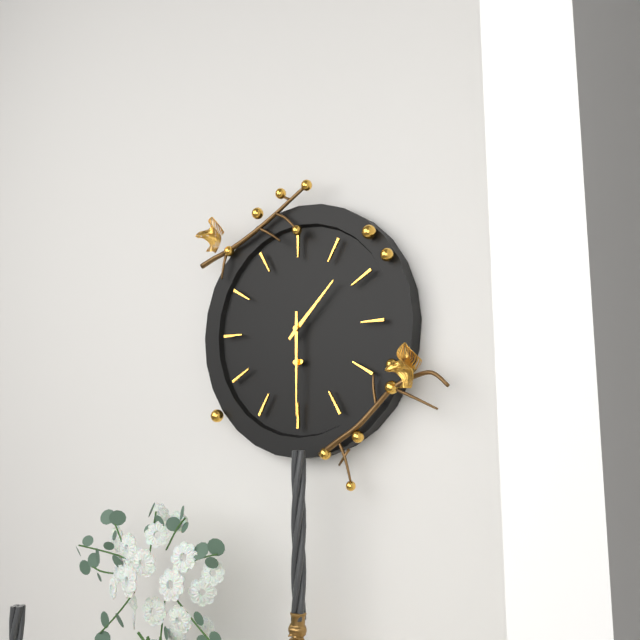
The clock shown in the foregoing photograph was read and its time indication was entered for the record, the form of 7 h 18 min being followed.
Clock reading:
1 h 30 min
